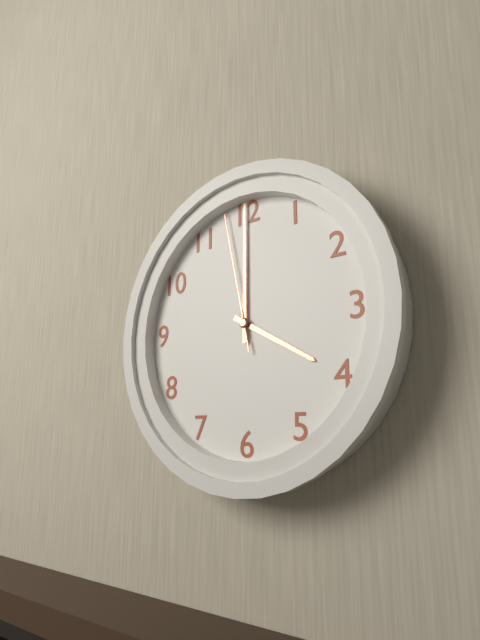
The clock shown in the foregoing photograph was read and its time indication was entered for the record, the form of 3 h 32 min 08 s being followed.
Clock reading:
4 h 00 min 58 s
